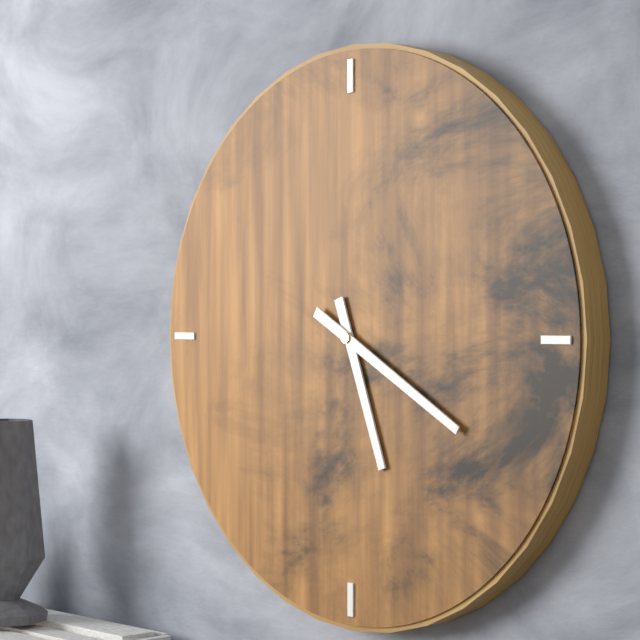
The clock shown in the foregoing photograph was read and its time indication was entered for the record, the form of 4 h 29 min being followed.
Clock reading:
5 h 20 min
